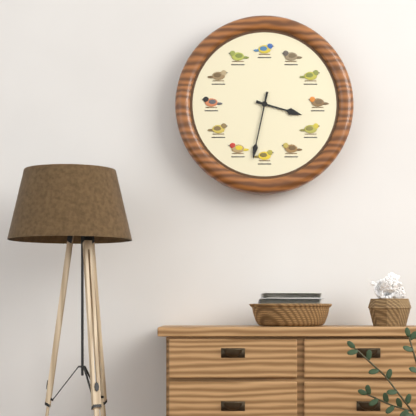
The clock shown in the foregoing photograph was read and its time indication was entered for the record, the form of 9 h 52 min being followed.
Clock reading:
3 h 32 min
